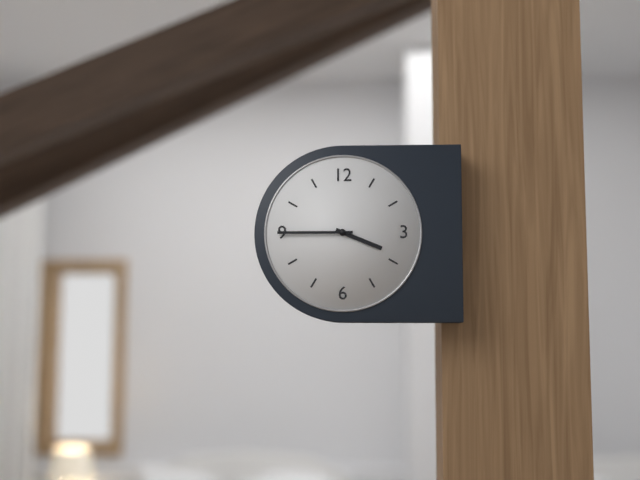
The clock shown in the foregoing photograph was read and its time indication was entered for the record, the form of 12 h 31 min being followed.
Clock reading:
3 h 45 min
